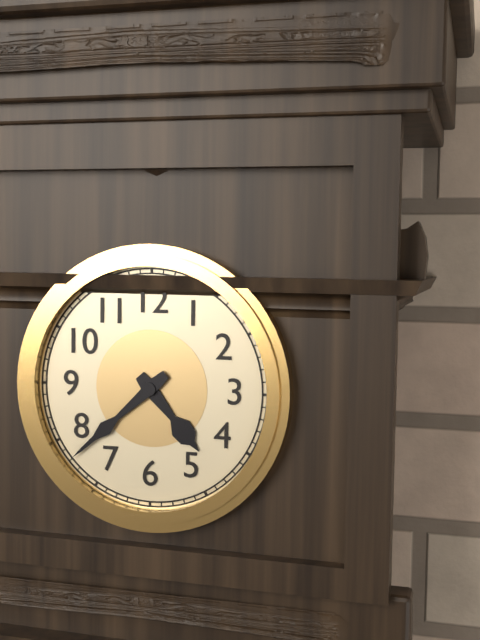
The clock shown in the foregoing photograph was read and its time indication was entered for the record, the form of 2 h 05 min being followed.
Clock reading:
4 h 38 min
